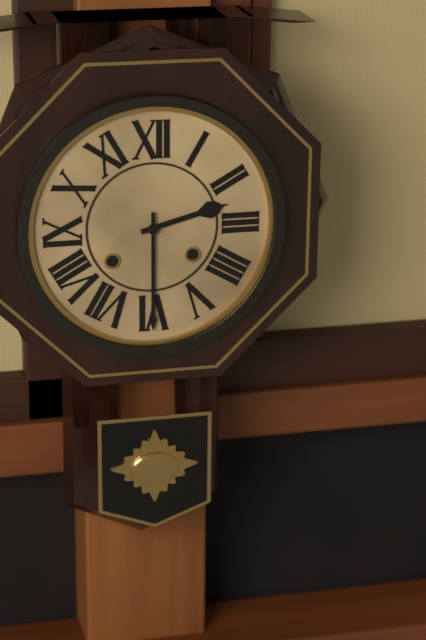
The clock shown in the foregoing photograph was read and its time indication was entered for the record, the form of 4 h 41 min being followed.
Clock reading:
2 h 30 min
